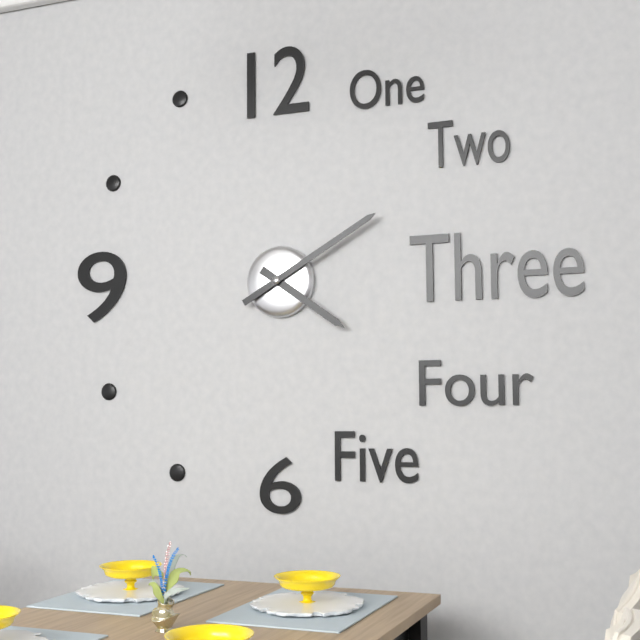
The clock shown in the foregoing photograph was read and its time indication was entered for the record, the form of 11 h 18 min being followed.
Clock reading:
4 h 10 min
